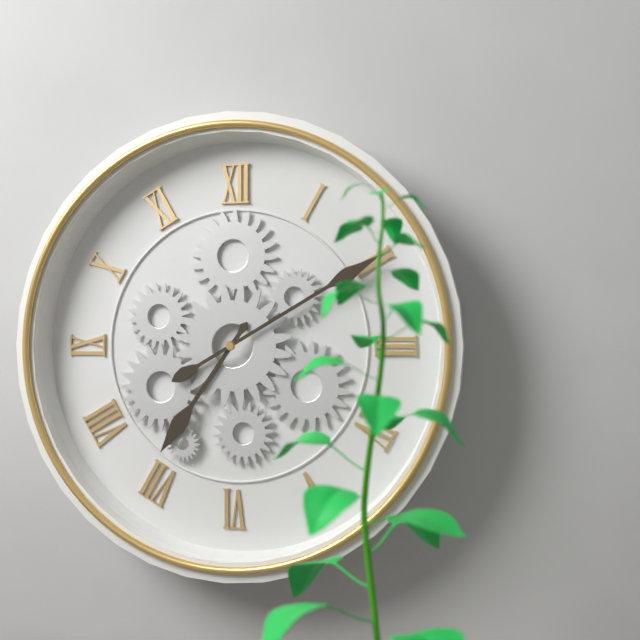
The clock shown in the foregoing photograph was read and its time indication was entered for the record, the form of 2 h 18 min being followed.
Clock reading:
7 h 10 min
